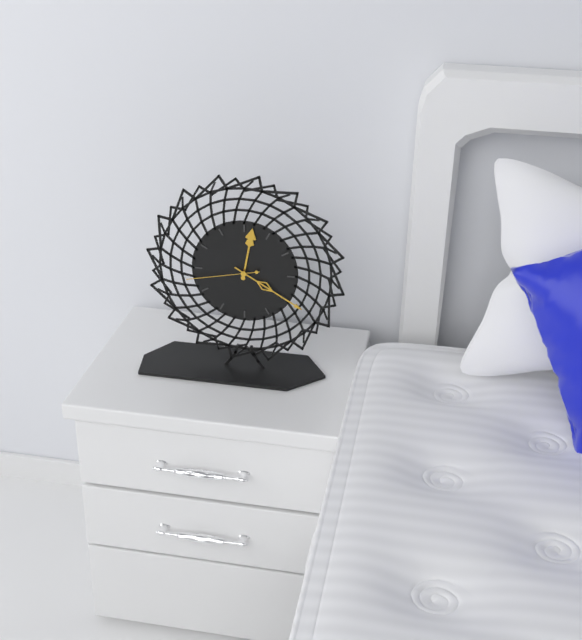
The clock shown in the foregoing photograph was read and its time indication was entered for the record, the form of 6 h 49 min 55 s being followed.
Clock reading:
12 h 20 min 43 s
